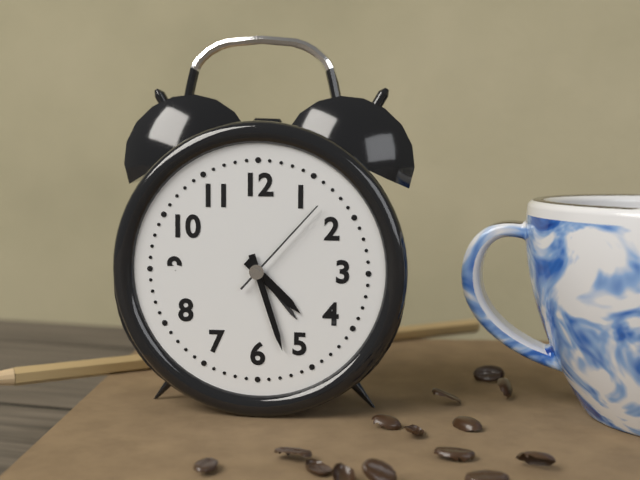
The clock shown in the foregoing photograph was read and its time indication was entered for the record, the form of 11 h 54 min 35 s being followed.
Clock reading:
4 h 27 min 07 s
